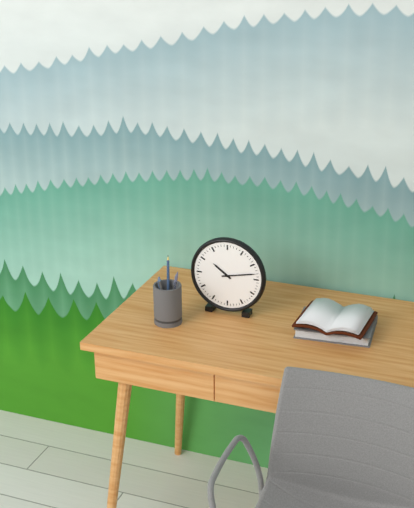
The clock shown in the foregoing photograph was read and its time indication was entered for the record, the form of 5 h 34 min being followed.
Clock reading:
10 h 13 min
